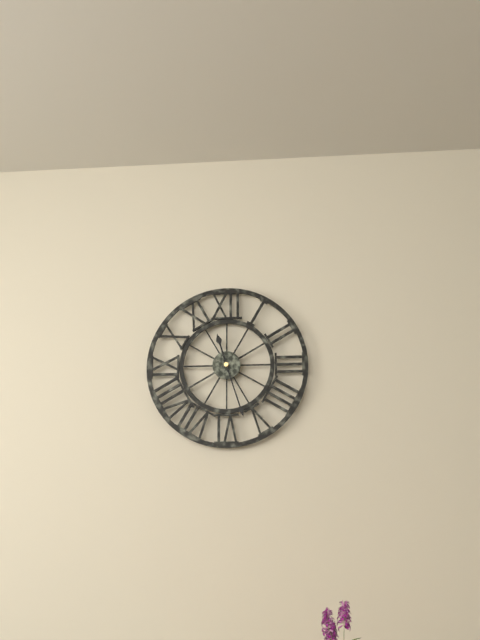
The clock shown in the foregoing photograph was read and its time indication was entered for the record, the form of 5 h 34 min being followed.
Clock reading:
11 h 27 min
